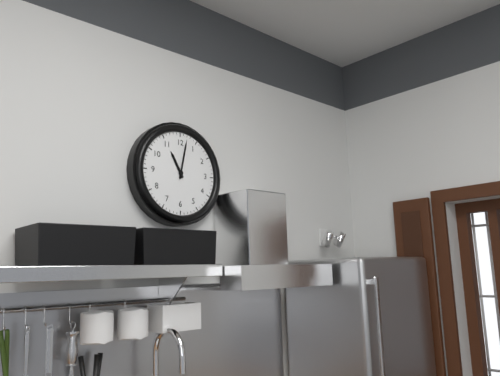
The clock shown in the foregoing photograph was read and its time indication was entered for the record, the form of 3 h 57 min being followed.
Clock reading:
11 h 02 min
